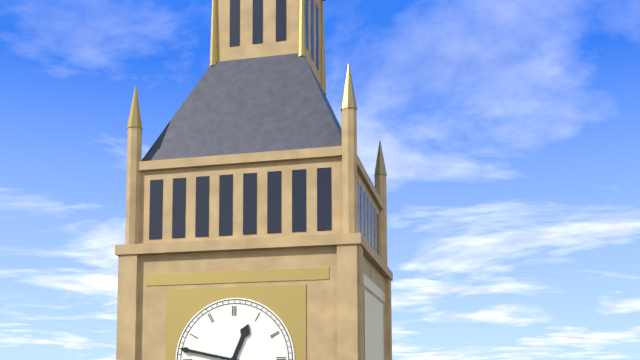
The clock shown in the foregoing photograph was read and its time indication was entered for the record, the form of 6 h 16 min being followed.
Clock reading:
12 h 47 min
